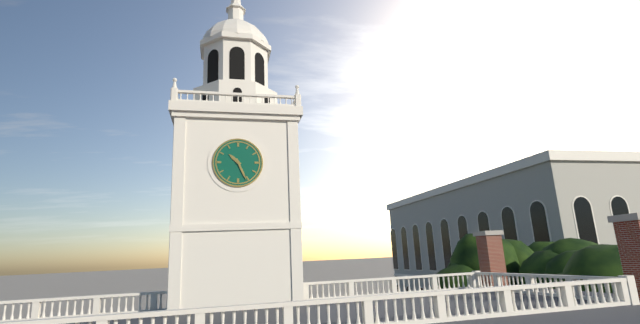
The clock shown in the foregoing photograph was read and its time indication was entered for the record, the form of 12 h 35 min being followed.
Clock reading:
10 h 26 min
